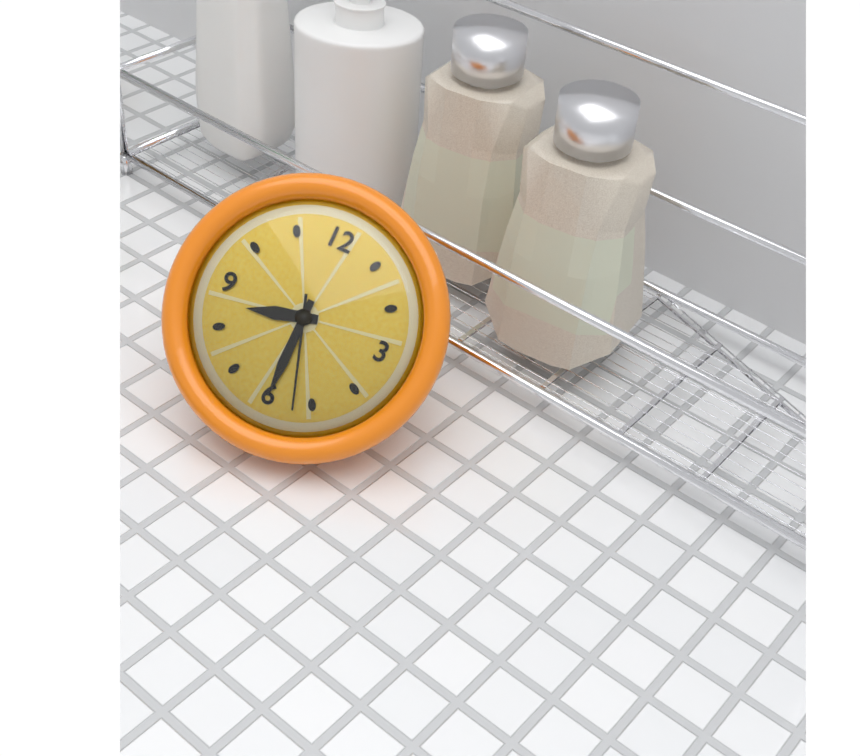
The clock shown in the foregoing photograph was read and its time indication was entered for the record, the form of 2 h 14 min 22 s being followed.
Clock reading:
8 h 30 min 27 s
